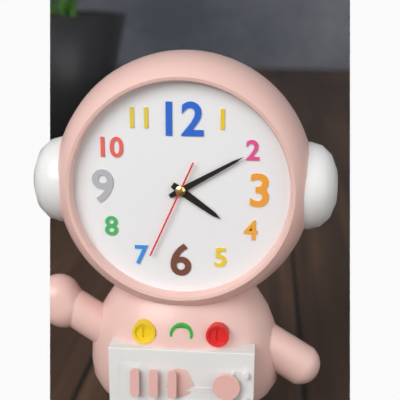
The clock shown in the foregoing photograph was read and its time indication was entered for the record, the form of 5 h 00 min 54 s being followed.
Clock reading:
4 h 10 min 34 s
